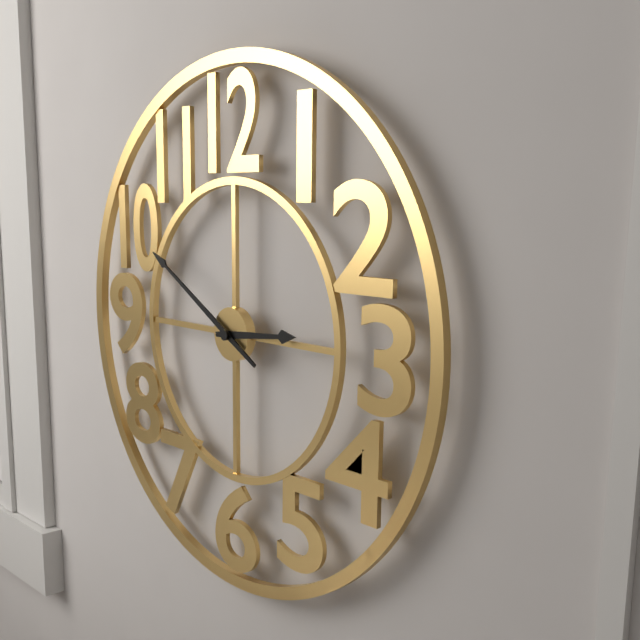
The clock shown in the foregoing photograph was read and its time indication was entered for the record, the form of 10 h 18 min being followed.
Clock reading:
2 h 50 min
